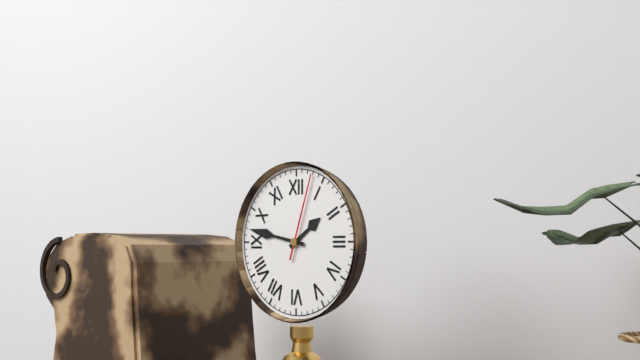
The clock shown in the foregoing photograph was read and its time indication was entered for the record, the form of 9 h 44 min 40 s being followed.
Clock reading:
1 h 47 min 03 s
